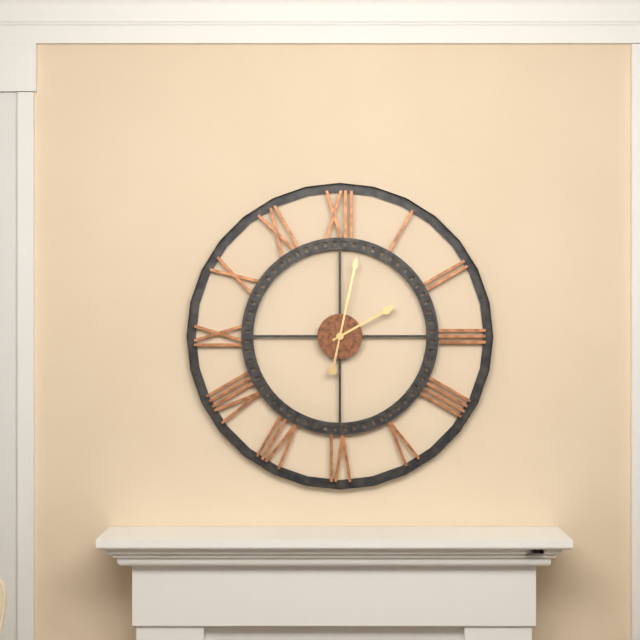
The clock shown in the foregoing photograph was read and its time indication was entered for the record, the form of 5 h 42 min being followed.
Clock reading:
2 h 02 min
